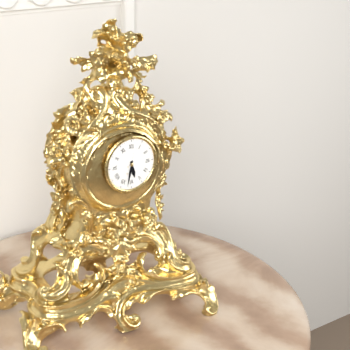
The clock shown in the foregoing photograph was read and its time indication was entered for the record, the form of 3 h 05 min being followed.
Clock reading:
5 h 32 min
